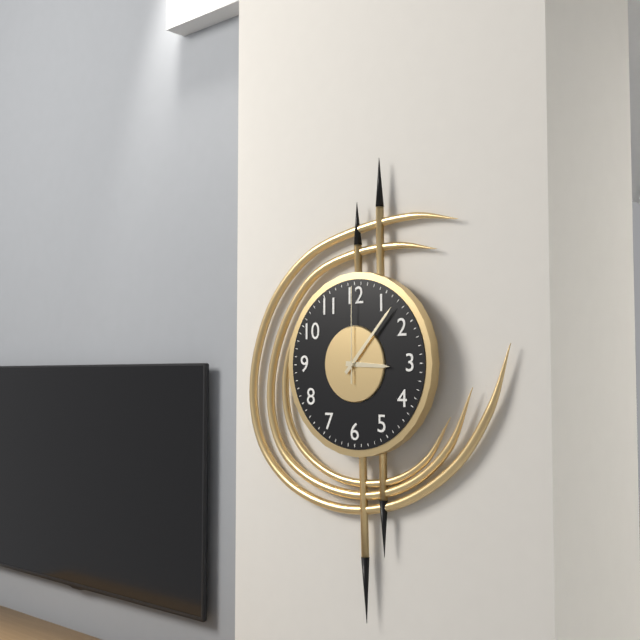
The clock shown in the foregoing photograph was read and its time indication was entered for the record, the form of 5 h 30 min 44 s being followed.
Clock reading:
3 h 07 min 00 s
